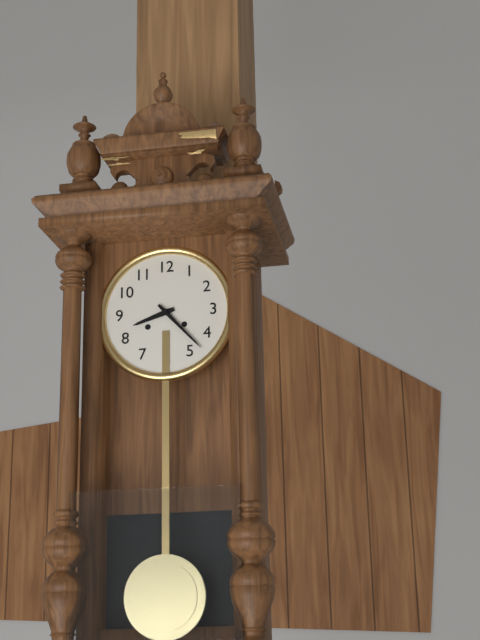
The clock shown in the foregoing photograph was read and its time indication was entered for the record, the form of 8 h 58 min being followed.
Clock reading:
8 h 23 min
